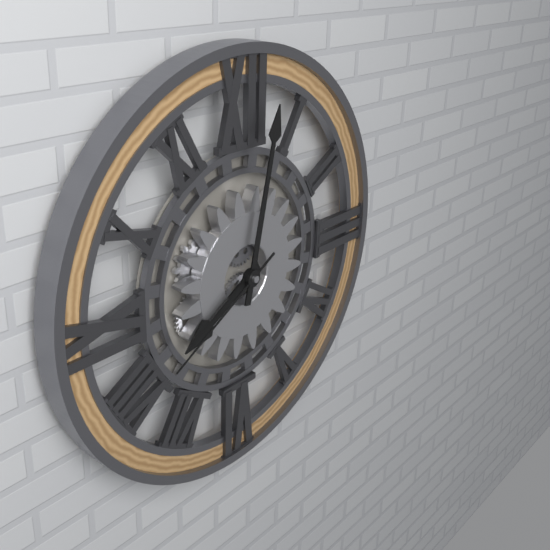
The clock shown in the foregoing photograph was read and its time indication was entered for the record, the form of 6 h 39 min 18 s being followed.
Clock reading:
8 h 02 min 40 s
